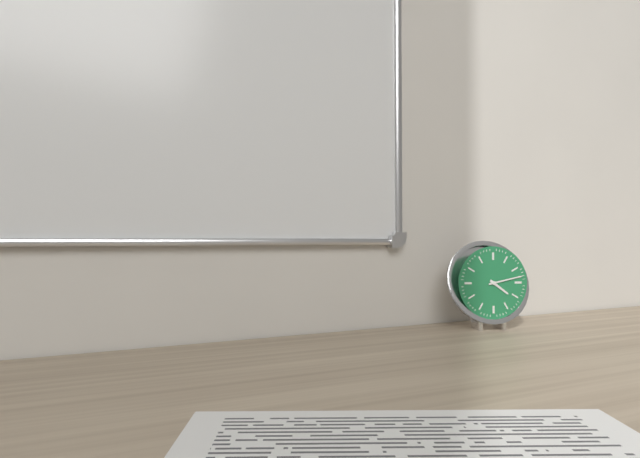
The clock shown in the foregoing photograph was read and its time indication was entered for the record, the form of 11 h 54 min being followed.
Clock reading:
4 h 13 min
